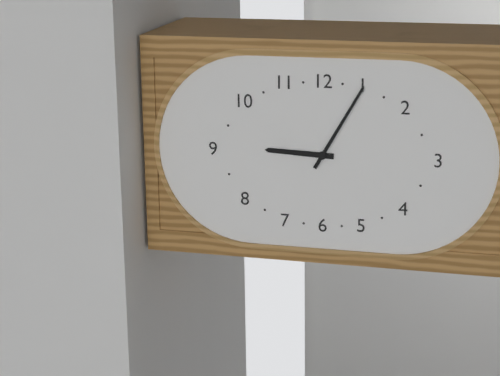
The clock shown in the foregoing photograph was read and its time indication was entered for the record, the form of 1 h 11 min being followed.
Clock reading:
9 h 05 min
